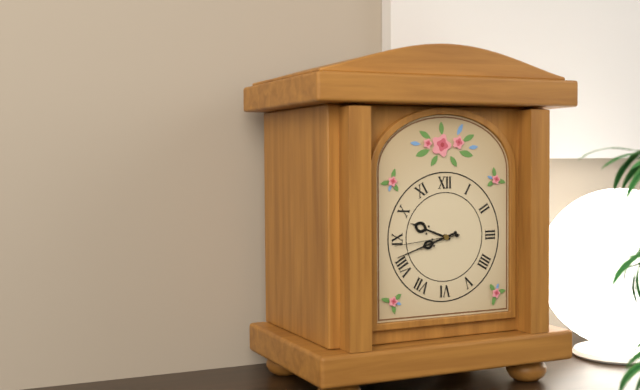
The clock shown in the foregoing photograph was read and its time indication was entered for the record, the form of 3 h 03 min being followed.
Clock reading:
9 h 42 min
